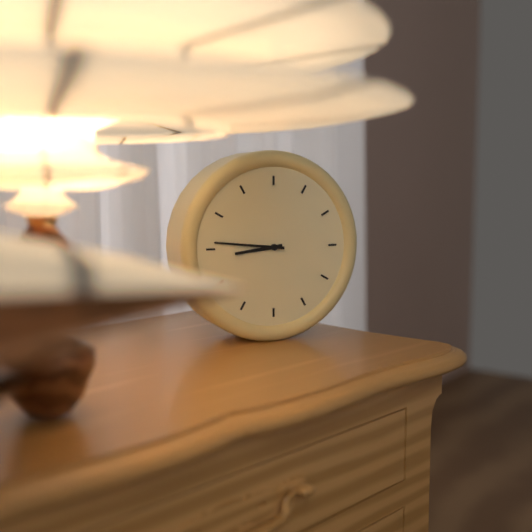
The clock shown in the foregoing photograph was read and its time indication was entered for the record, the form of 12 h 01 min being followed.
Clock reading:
8 h 46 min
